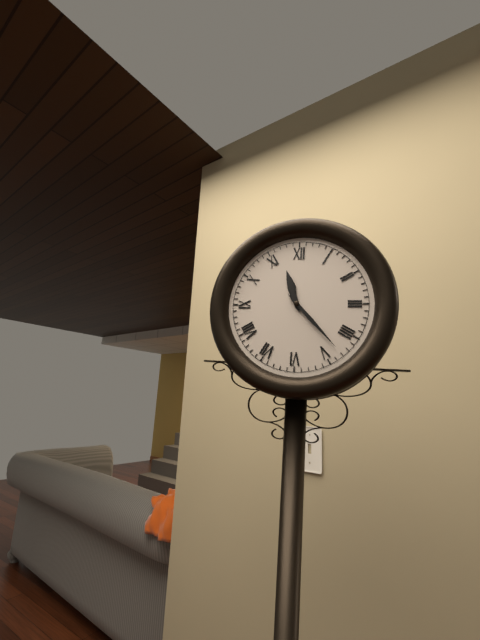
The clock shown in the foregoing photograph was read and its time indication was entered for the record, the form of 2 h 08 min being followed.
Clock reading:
11 h 23 min
